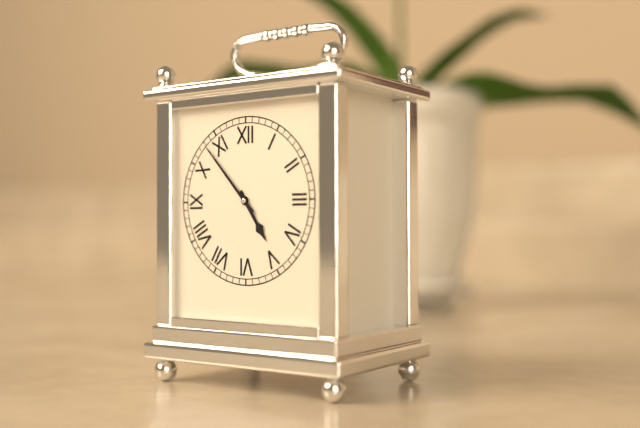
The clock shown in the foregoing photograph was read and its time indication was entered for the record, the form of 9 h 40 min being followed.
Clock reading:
4 h 53 min
